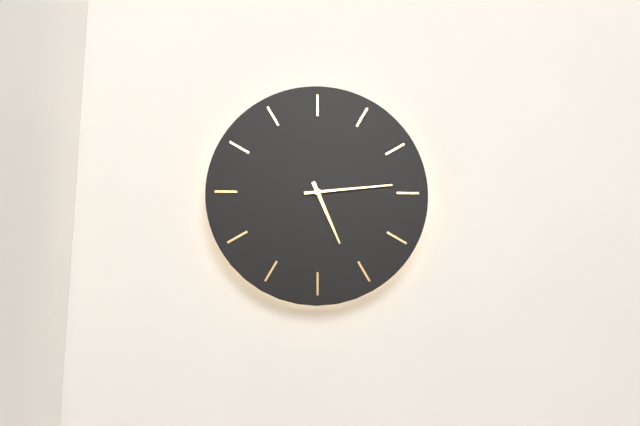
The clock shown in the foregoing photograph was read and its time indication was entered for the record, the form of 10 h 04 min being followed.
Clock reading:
5 h 14 min
